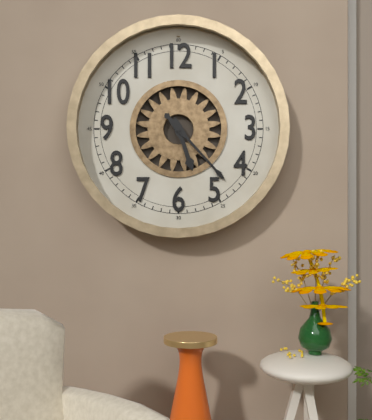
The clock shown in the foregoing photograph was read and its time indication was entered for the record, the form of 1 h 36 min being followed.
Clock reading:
5 h 23 min
